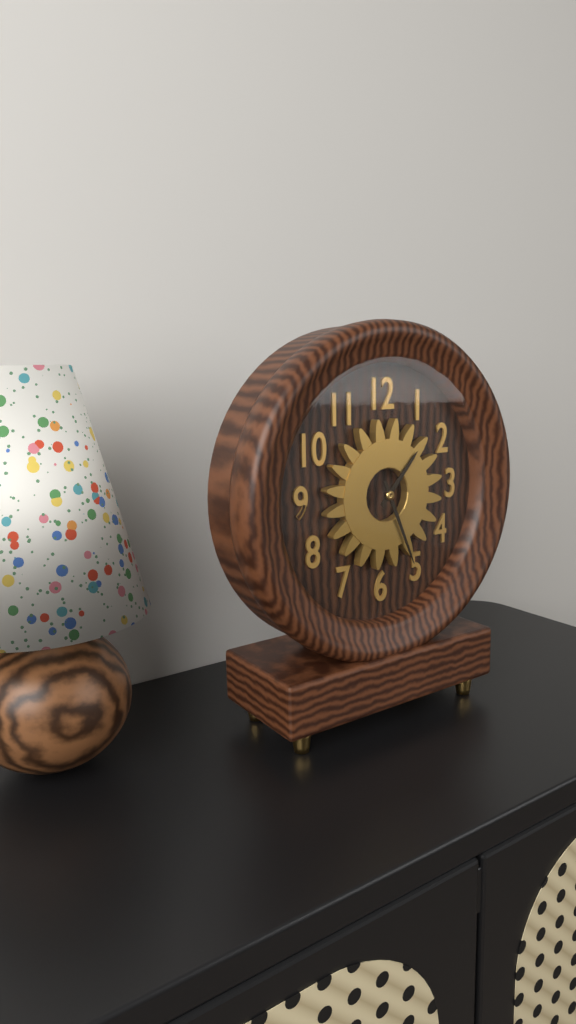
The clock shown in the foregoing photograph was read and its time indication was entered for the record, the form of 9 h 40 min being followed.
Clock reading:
1 h 26 min
